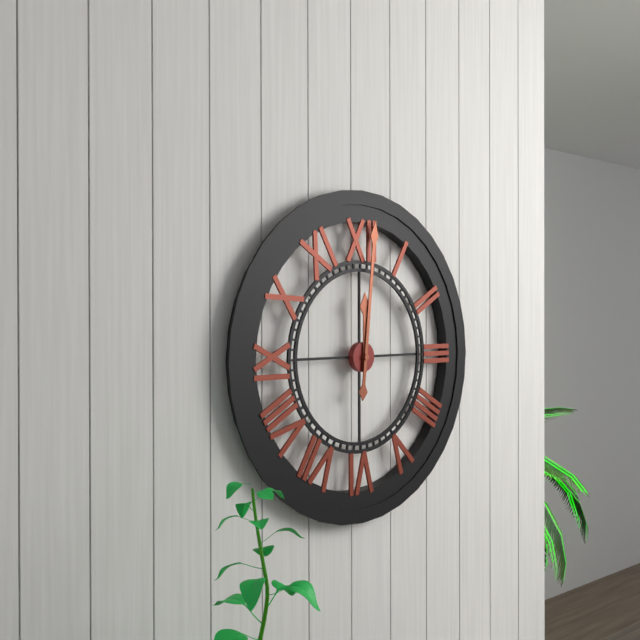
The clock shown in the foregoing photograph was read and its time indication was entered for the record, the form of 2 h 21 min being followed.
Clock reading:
12 h 01 min
